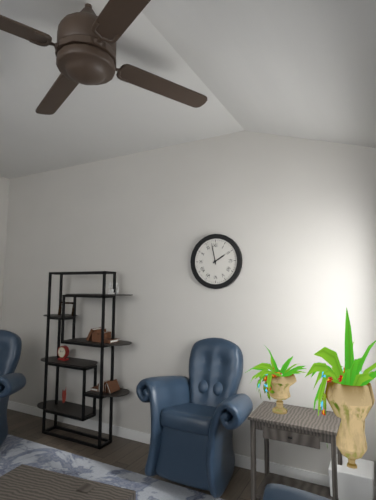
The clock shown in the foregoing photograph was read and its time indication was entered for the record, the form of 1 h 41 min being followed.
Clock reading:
1 h 58 min
